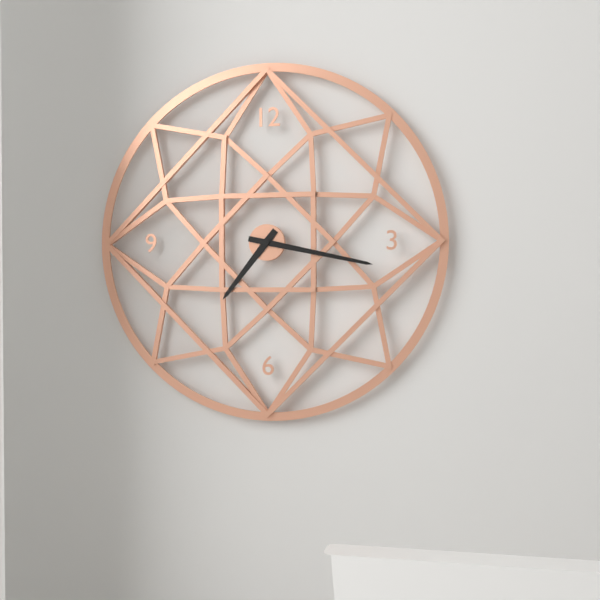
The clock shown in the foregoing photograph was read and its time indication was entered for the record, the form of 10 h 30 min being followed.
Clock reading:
7 h 17 min
